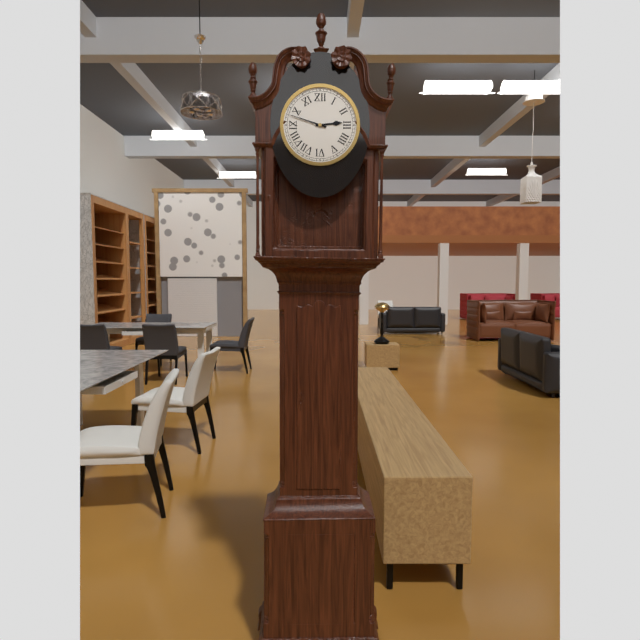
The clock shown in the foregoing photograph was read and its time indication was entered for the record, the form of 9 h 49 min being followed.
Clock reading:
2 h 48 min
